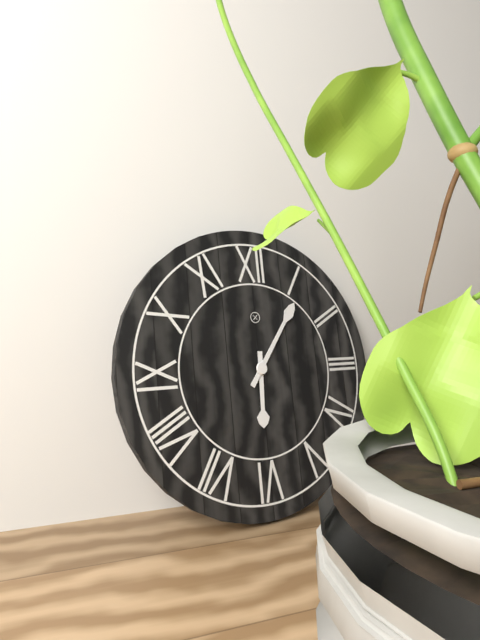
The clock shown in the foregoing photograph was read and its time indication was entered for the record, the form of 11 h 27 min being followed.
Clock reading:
6 h 06 min
